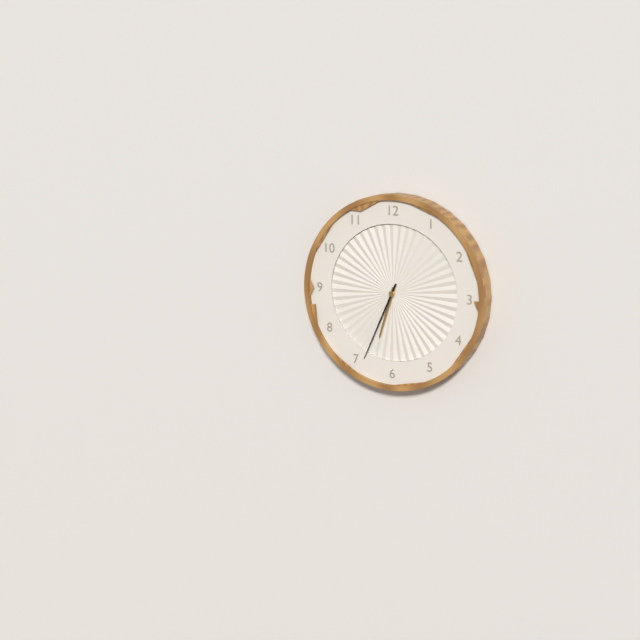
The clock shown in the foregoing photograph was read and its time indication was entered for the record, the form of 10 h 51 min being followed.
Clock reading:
6 h 34 min
